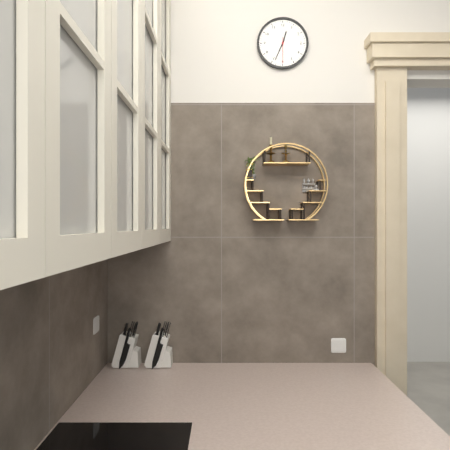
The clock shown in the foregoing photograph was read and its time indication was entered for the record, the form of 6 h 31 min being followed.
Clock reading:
12 h 34 min
